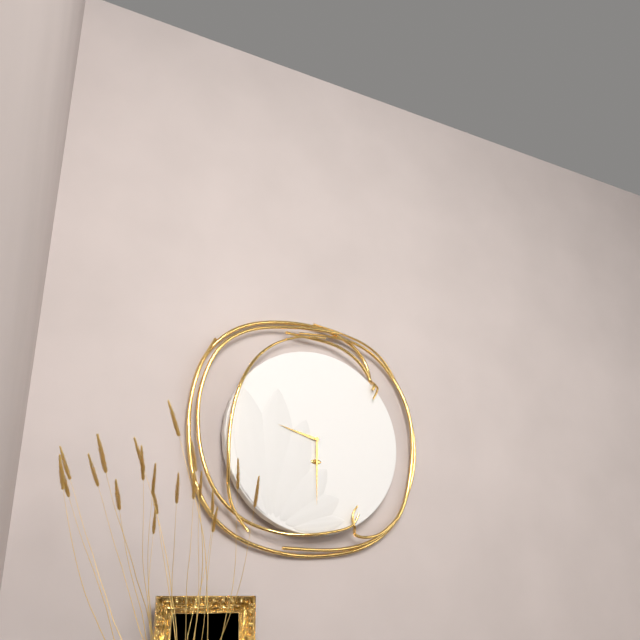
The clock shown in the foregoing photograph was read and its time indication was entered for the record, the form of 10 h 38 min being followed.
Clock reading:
9 h 30 min
